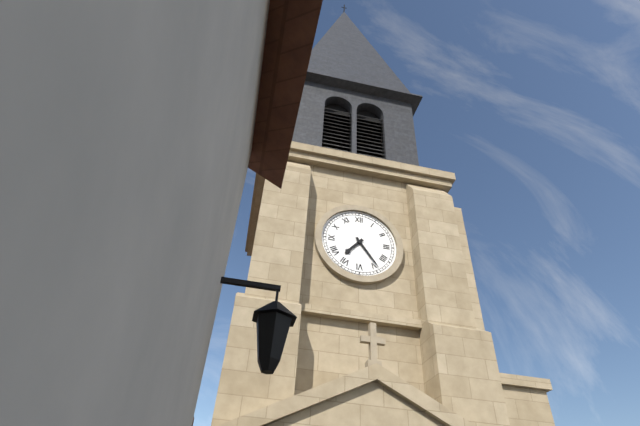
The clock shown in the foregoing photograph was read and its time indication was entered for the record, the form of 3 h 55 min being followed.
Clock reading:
7 h 24 min
